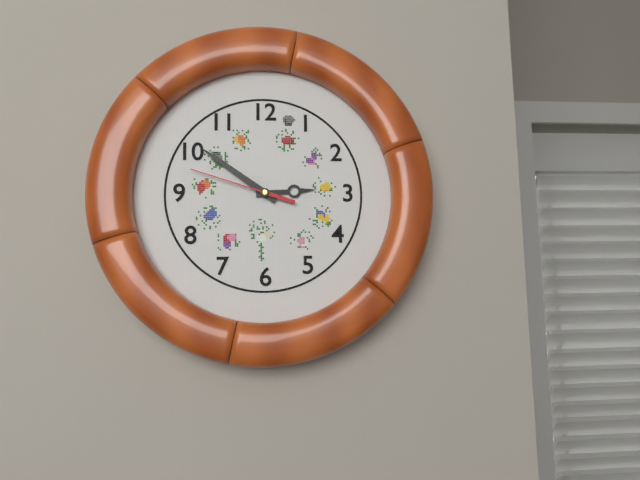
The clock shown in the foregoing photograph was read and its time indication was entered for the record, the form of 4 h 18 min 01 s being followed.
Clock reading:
2 h 51 min 48 s
